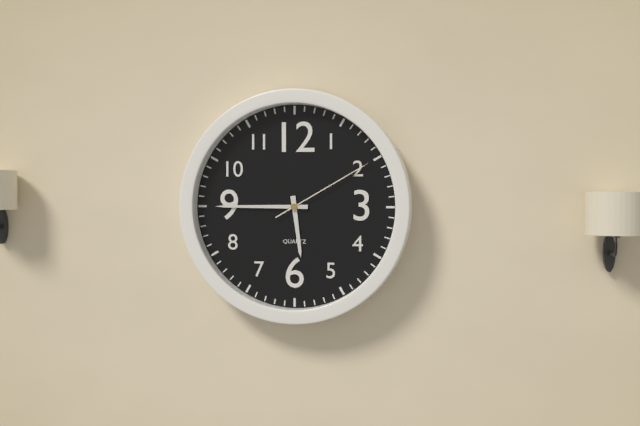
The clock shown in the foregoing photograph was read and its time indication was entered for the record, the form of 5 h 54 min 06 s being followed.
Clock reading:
5 h 45 min 10 s
